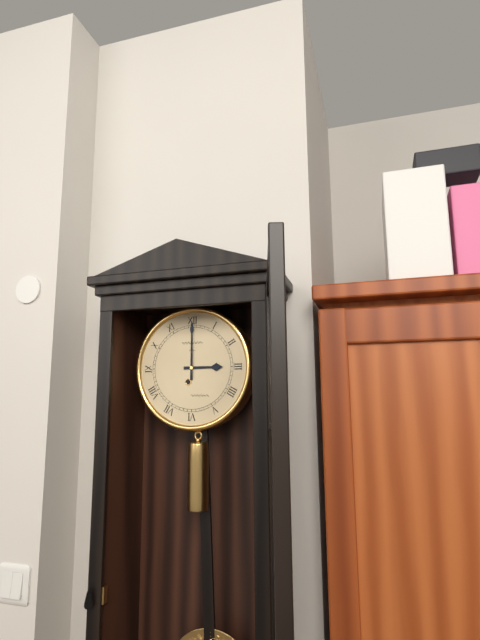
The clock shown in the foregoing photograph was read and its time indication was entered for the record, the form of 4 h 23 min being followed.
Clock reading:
3 h 00 min
